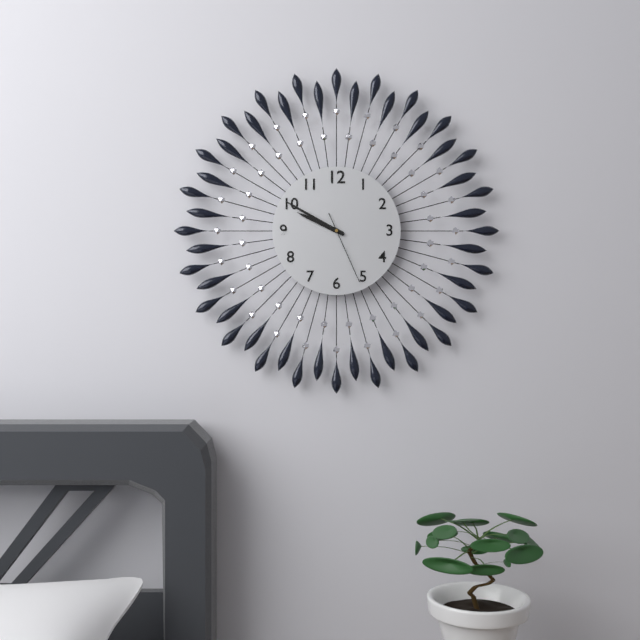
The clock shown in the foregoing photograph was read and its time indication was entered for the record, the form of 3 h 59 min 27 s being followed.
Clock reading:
9 h 50 min 26 s
